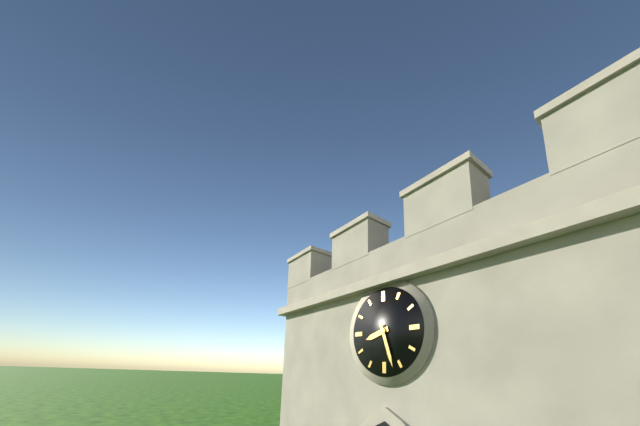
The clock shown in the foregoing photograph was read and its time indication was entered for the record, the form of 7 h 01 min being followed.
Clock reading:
8 h 27 min
